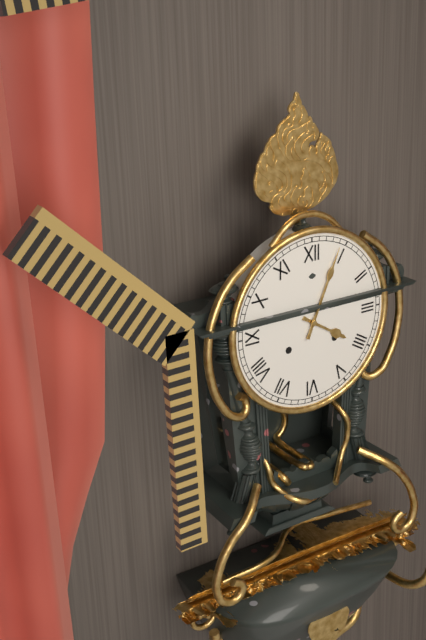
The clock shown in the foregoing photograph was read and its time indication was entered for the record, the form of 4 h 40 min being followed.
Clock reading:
4 h 04 min
